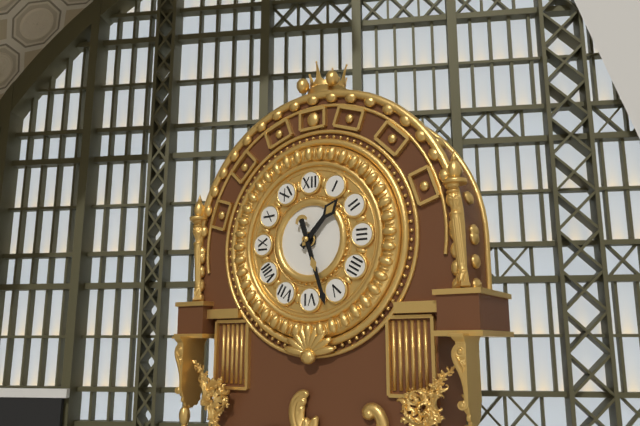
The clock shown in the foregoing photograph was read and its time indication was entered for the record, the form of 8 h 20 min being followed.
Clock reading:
1 h 27 min
